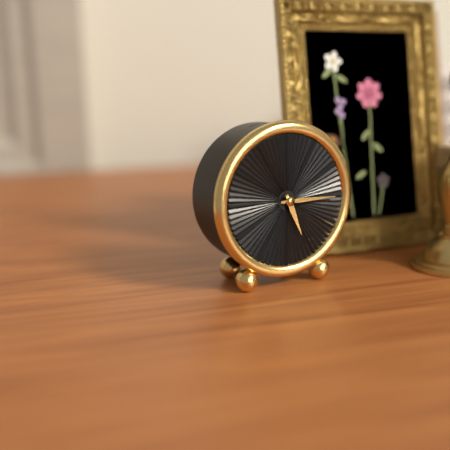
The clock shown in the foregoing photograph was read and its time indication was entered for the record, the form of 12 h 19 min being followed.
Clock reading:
5 h 15 min
